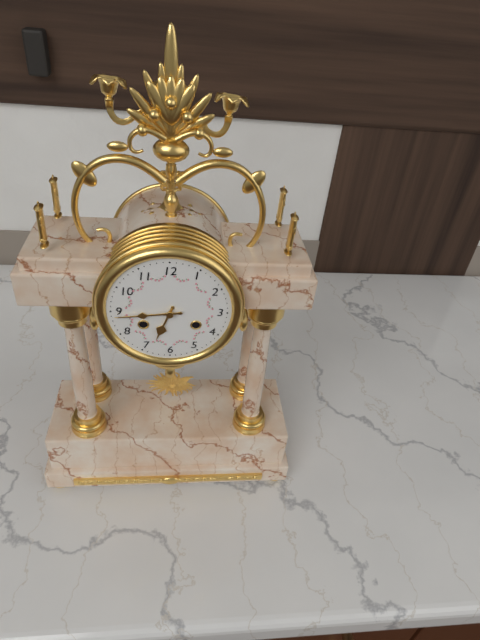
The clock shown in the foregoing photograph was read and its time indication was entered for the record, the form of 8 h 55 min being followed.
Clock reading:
6 h 44 min
